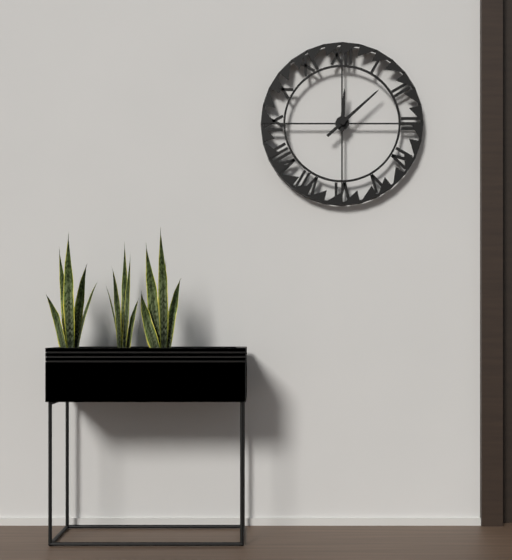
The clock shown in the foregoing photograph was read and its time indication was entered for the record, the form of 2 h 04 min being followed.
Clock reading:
12 h 08 min
